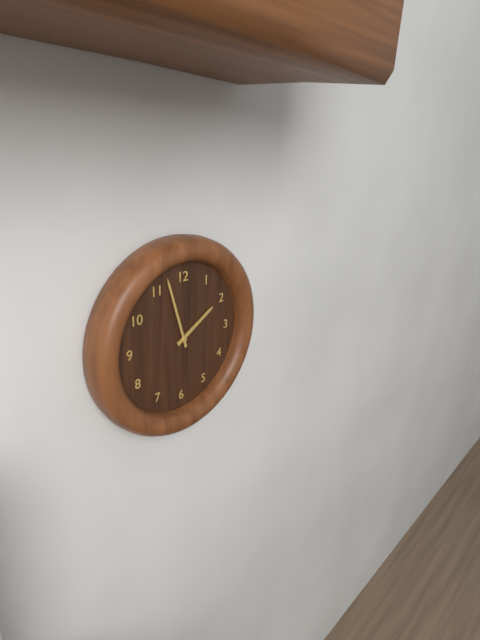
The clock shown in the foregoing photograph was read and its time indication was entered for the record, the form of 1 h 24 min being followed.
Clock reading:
1 h 57 min
